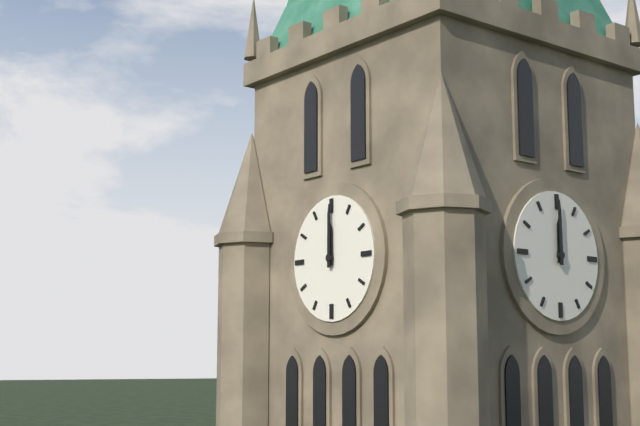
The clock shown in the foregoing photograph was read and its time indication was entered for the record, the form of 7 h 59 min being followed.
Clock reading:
12 h 00 min
